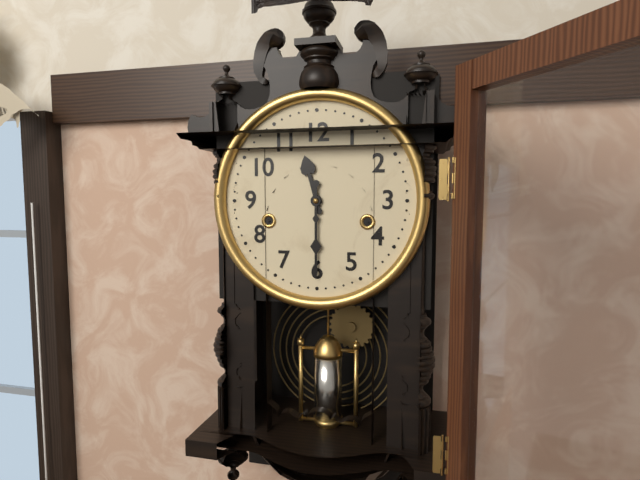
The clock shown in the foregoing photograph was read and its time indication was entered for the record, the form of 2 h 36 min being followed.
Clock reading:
11 h 30 min
